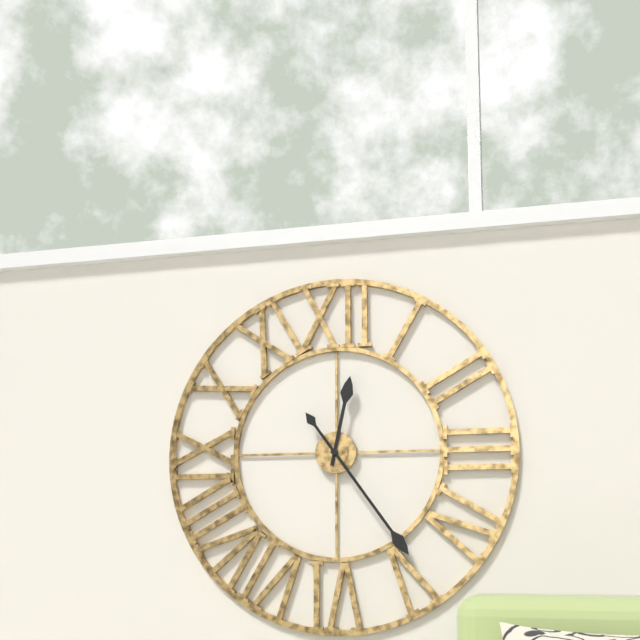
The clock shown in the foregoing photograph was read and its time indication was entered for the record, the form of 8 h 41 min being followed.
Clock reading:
12 h 24 min
